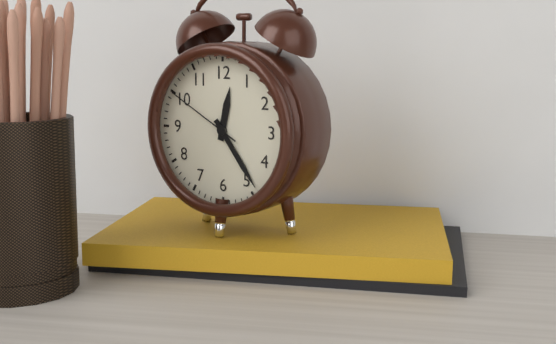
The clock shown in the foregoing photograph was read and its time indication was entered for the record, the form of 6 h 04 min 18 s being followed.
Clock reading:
12 h 24 min 50 s
